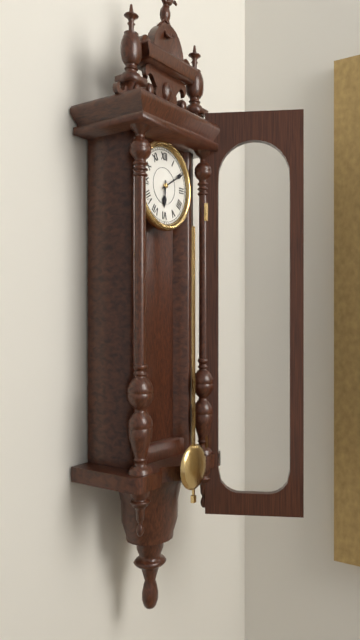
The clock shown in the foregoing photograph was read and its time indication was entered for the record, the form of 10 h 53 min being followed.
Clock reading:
6 h 10 min
